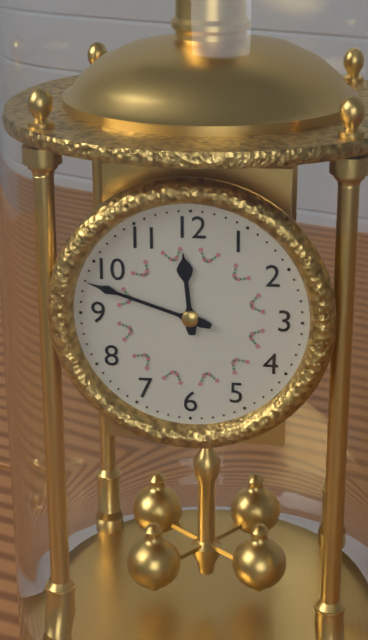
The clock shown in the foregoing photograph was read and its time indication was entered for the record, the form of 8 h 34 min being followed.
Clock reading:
11 h 48 min
